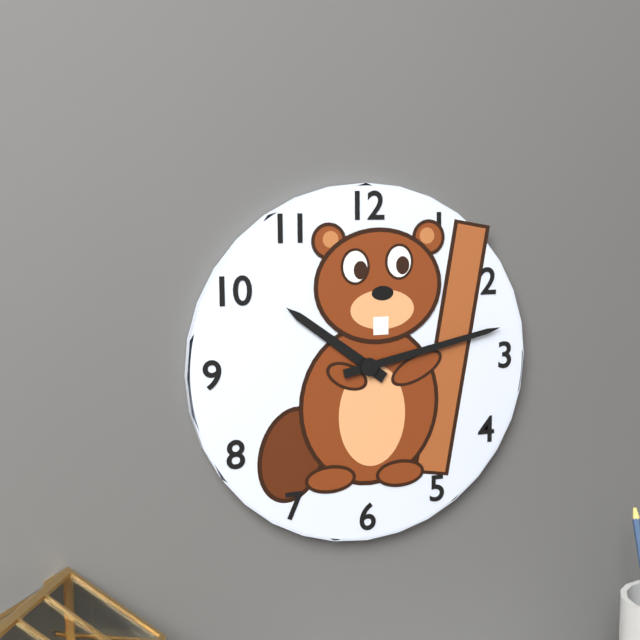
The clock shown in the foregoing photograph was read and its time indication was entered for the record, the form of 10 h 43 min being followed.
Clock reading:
10 h 13 min
